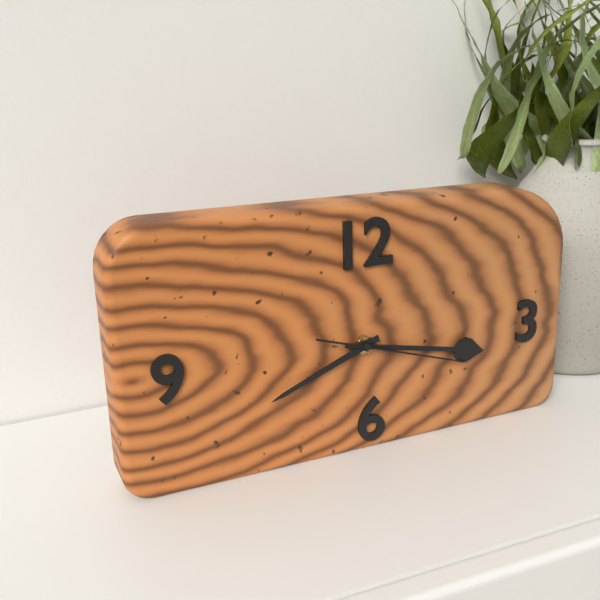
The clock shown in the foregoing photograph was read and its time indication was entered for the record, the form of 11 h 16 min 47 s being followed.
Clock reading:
8 h 17 min 18 s
